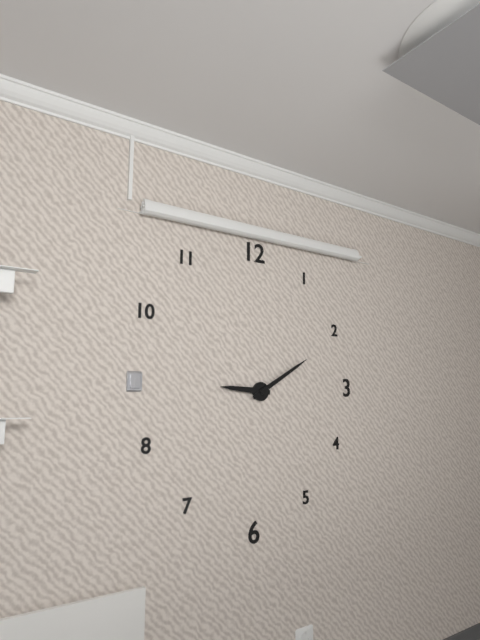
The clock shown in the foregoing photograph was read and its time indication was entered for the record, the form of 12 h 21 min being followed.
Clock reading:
9 h 10 min
